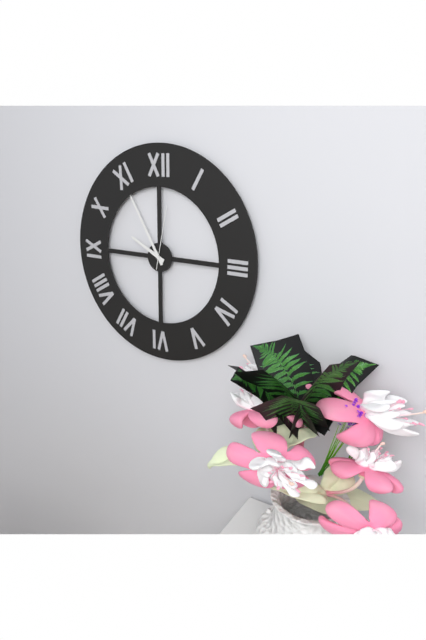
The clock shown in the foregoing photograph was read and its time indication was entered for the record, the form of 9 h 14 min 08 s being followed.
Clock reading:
9 h 55 min 02 s
